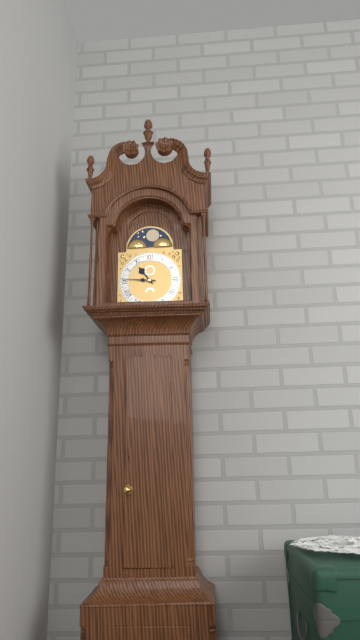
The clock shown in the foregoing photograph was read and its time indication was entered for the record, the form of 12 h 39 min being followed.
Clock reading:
10 h 46 min
